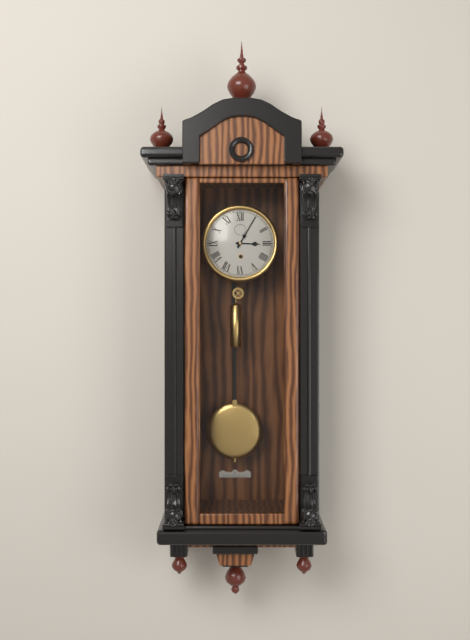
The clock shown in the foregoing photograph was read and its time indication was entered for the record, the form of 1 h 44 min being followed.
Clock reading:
3 h 05 min
